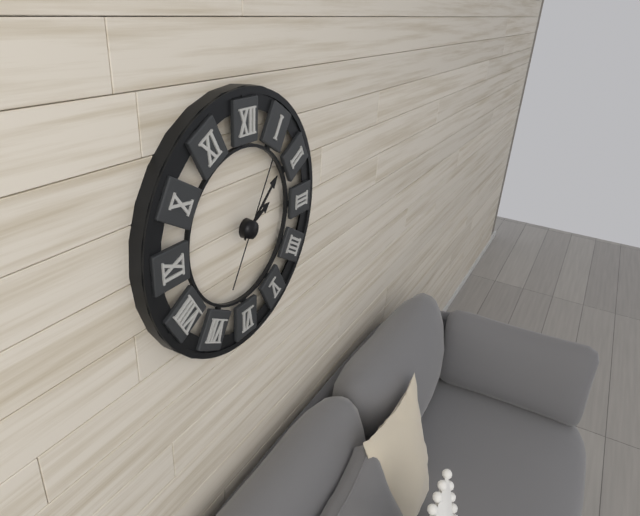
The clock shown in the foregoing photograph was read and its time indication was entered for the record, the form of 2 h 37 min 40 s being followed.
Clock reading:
2 h 08 min 05 s
